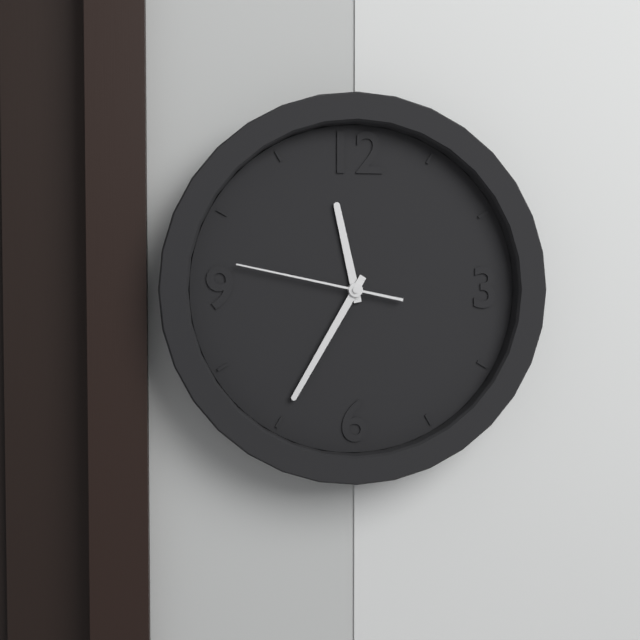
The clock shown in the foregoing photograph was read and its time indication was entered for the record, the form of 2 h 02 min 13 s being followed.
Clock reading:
11 h 35 min 47 s
